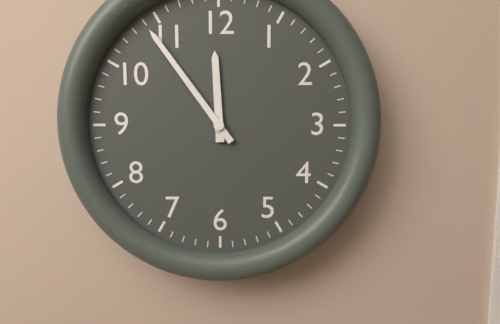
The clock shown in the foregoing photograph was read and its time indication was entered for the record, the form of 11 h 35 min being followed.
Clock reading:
11 h 54 min
